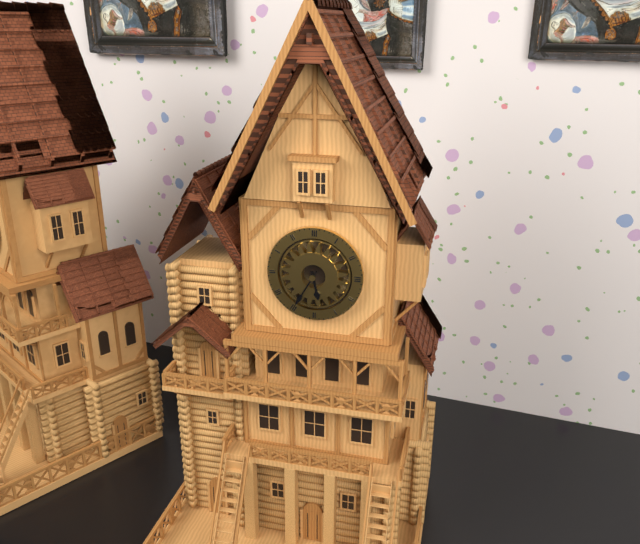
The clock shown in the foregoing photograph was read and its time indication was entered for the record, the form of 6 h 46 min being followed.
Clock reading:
5 h 35 min
